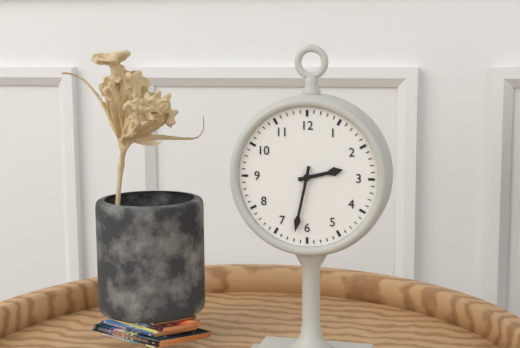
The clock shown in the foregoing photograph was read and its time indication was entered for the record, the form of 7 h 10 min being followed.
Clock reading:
2 h 32 min
